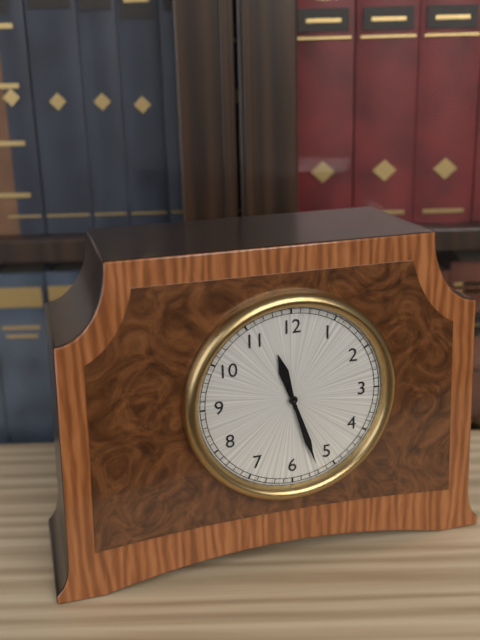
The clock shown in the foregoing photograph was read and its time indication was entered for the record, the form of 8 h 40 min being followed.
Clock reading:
11 h 27 min
